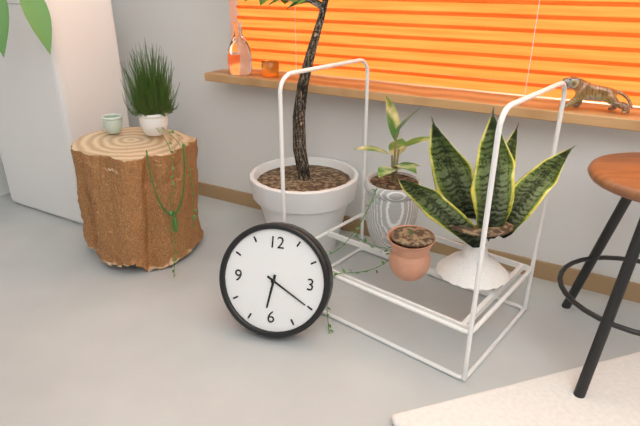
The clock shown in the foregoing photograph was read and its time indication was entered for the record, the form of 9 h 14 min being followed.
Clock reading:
6 h 20 min
